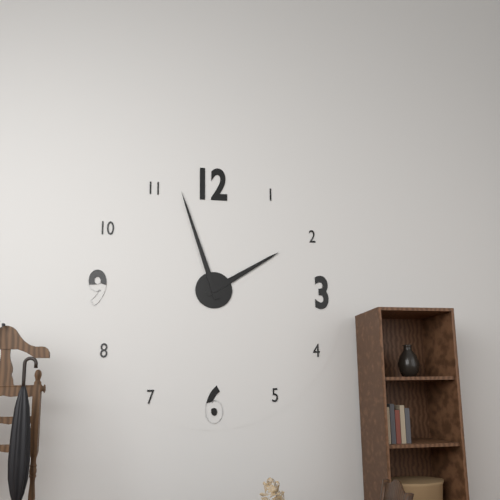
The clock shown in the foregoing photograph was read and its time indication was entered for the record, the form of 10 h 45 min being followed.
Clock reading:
1 h 57 min
